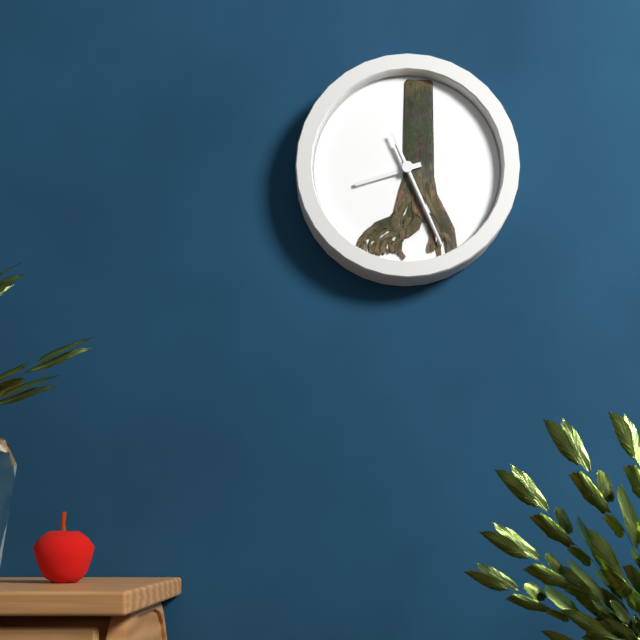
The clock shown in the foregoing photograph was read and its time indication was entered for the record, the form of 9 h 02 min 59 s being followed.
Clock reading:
8 h 26 min 26 s
